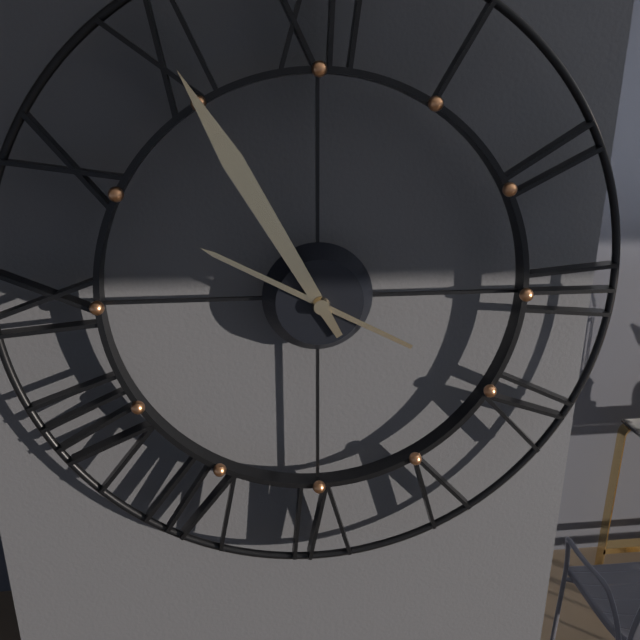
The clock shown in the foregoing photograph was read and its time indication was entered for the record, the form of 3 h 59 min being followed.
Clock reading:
9 h 55 min
